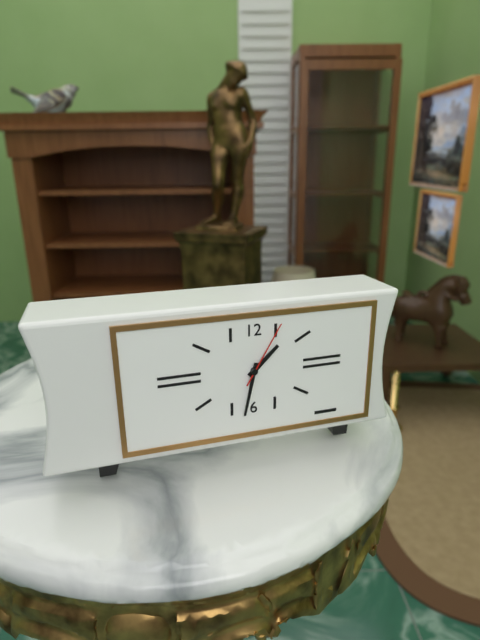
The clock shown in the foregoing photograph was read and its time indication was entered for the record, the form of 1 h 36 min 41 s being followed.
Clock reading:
1 h 32 min 05 s
